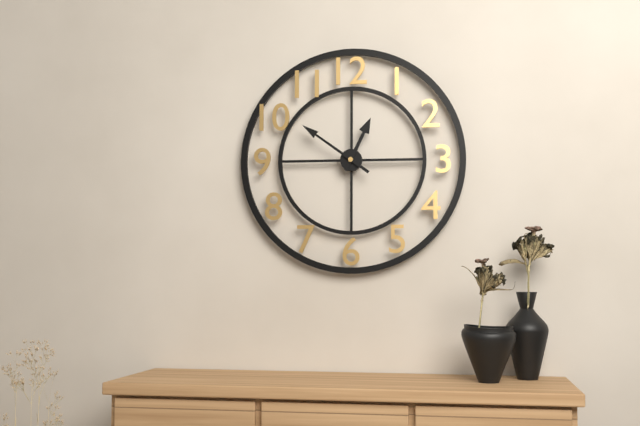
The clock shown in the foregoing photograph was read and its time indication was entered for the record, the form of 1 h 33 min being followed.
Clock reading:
12 h 51 min
